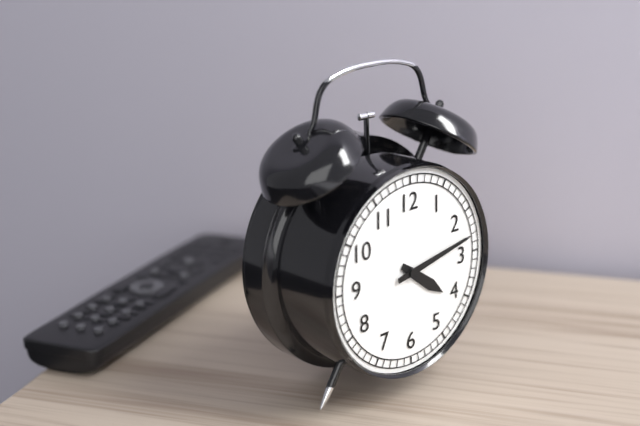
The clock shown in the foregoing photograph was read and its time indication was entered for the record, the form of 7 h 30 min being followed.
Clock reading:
4 h 13 min
